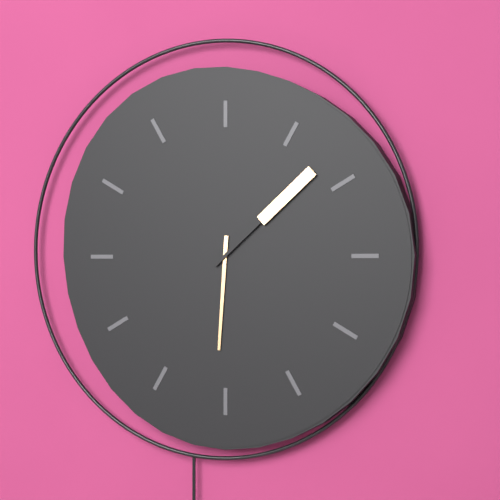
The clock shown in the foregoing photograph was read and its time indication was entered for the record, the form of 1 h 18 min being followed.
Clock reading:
6 h 08 min
